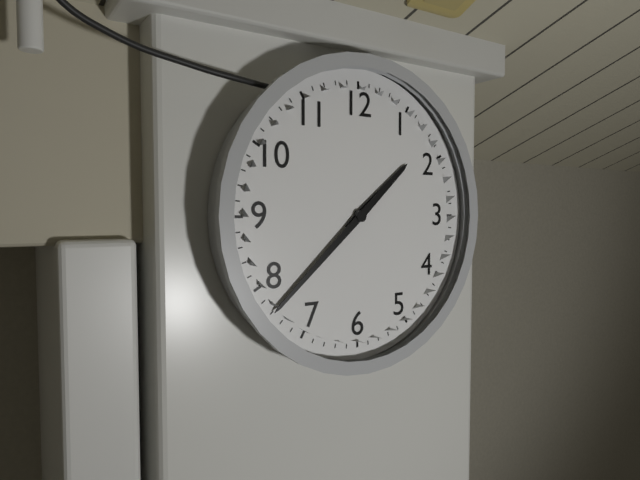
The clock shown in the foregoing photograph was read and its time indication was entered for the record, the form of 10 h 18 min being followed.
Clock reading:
1 h 38 min
